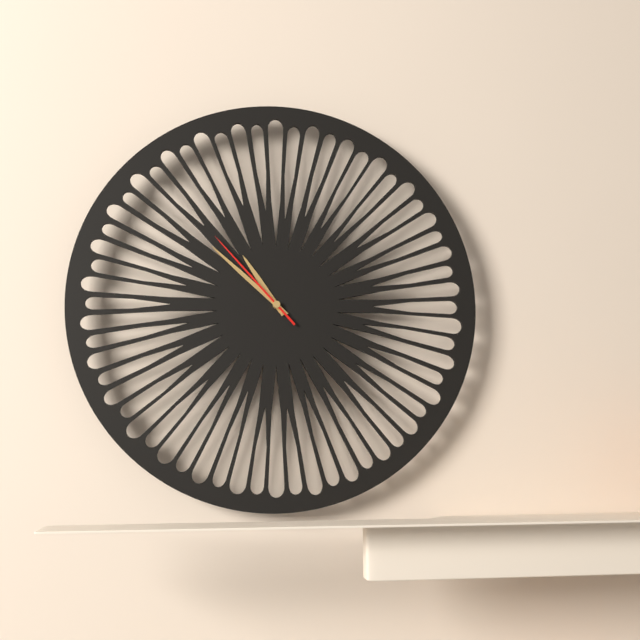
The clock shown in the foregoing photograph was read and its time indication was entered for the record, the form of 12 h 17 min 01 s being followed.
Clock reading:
10 h 52 min 53 s
